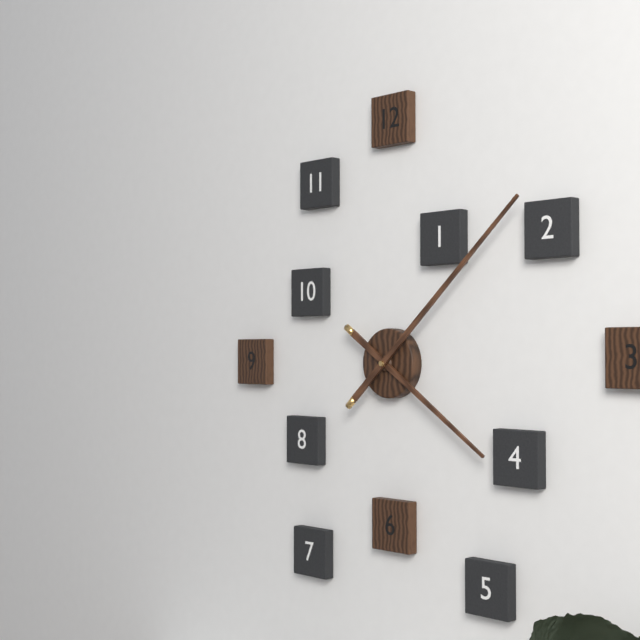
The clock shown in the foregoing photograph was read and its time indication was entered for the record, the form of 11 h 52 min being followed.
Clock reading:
4 h 08 min
